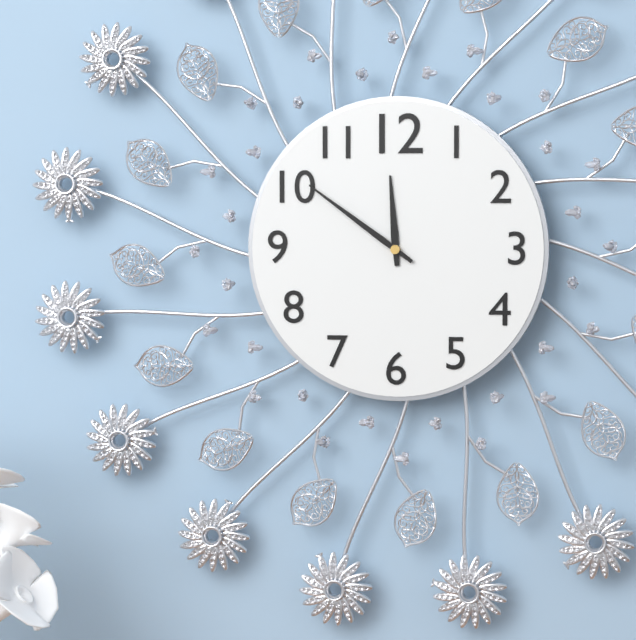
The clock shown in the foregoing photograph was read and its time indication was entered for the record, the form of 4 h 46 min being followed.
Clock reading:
11 h 51 min
